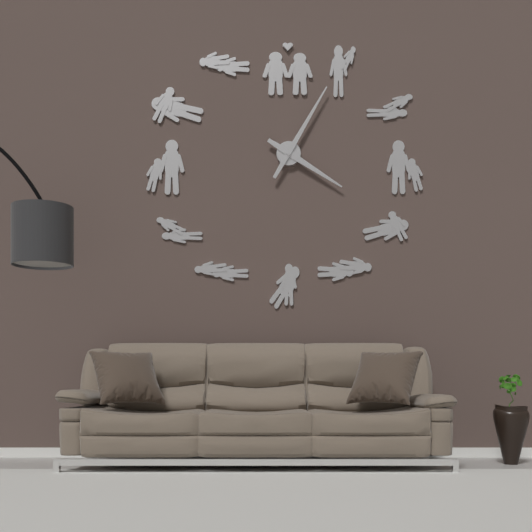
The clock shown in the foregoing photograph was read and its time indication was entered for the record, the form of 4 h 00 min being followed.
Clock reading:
4 h 05 min
